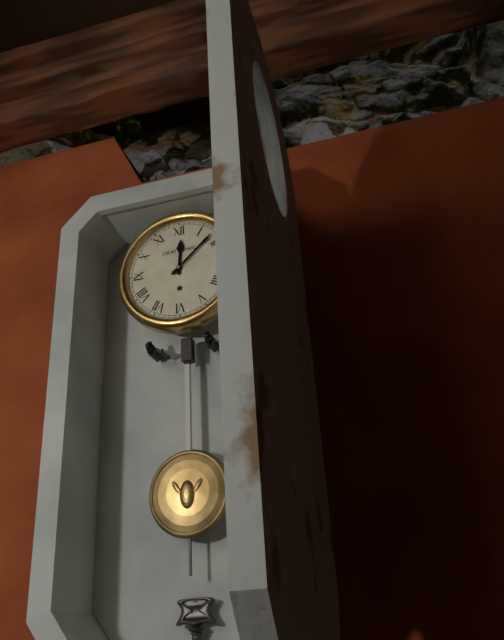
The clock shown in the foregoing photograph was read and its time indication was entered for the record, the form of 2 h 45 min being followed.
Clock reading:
12 h 08 min
